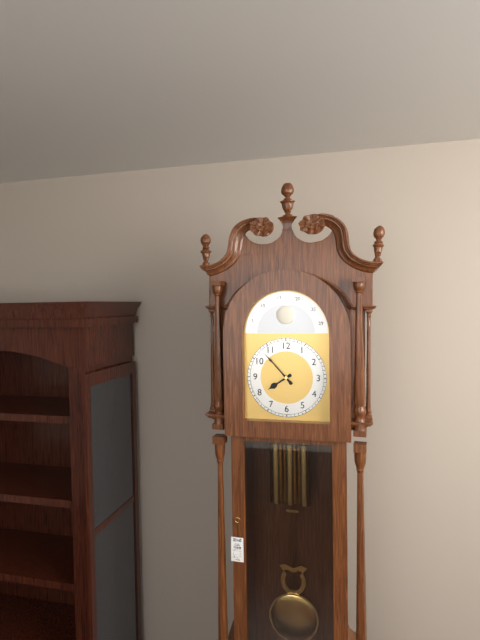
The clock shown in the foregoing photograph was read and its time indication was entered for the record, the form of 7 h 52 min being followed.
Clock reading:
7 h 53 min
